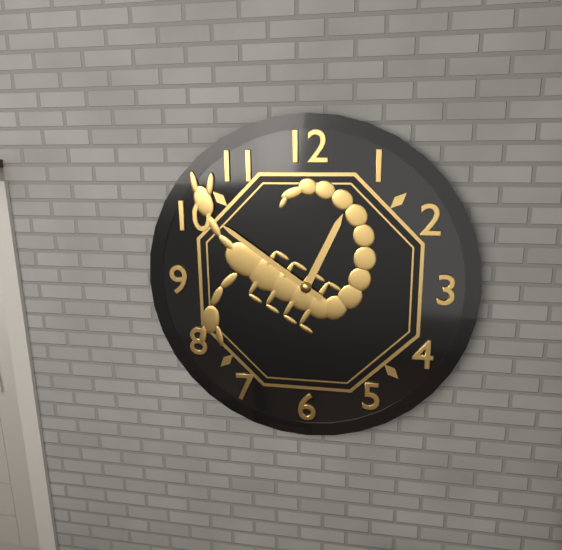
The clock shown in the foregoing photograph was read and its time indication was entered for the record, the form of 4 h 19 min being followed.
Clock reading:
12 h 51 min
